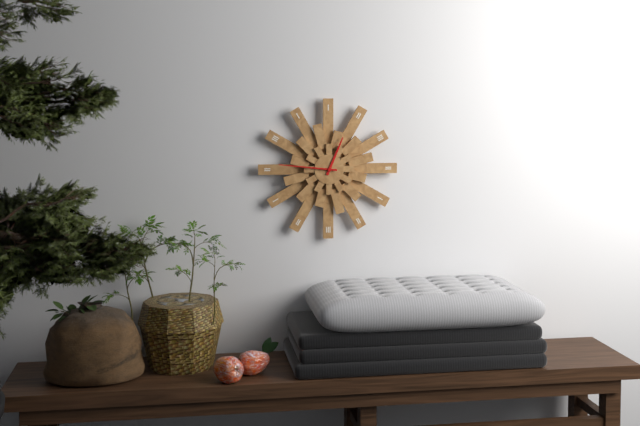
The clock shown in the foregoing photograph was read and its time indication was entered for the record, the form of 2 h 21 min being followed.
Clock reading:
12 h 46 min
